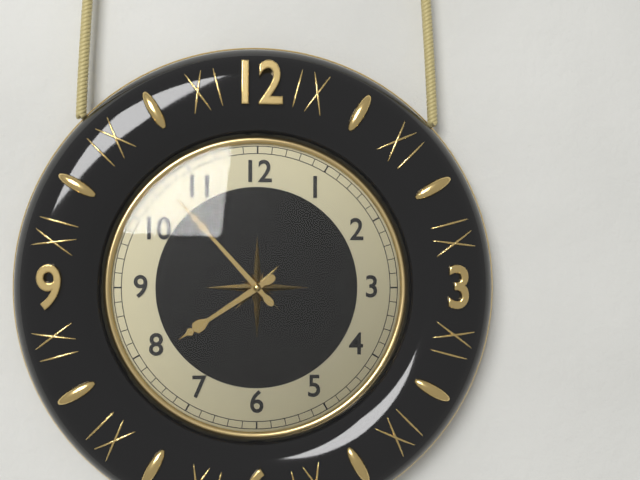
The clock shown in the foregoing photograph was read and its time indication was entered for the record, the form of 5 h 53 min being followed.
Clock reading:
7 h 53 min
